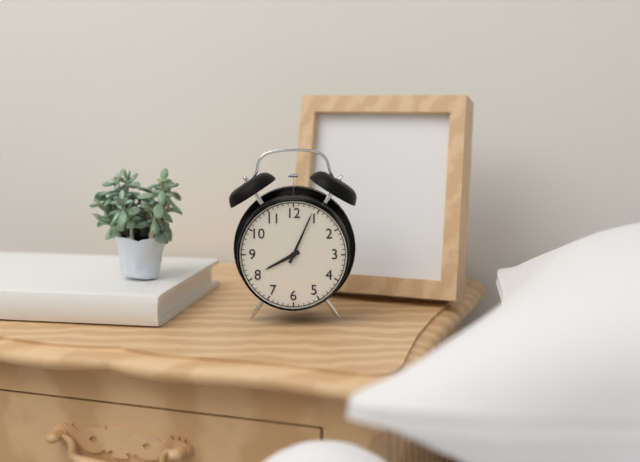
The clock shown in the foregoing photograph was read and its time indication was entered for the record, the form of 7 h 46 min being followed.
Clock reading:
8 h 04 min
